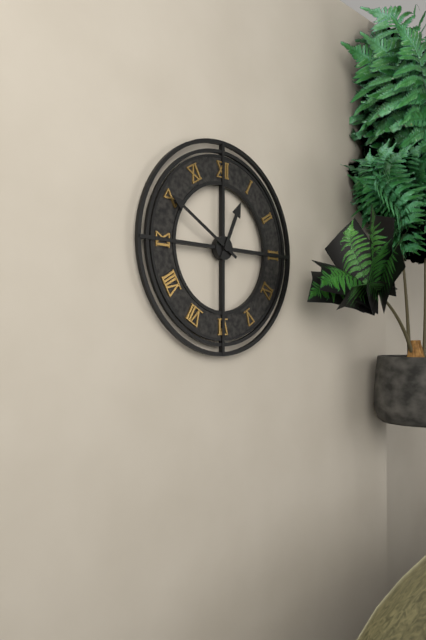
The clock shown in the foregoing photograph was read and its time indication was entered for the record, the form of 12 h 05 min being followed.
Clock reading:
12 h 50 min
